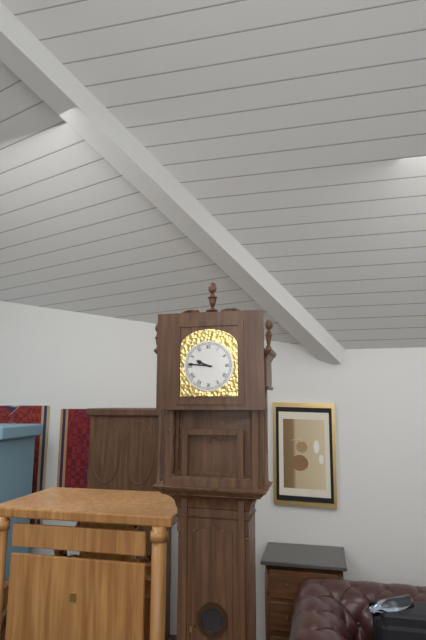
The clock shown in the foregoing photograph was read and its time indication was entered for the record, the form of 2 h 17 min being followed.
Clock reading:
9 h 46 min
